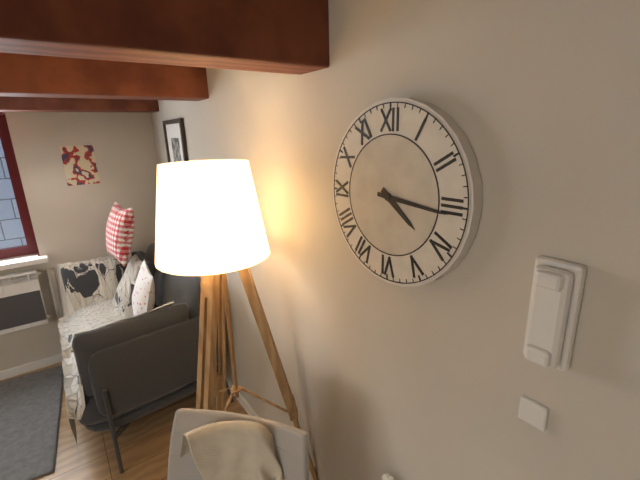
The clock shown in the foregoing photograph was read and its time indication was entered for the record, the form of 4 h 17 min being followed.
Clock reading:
4 h 16 min
